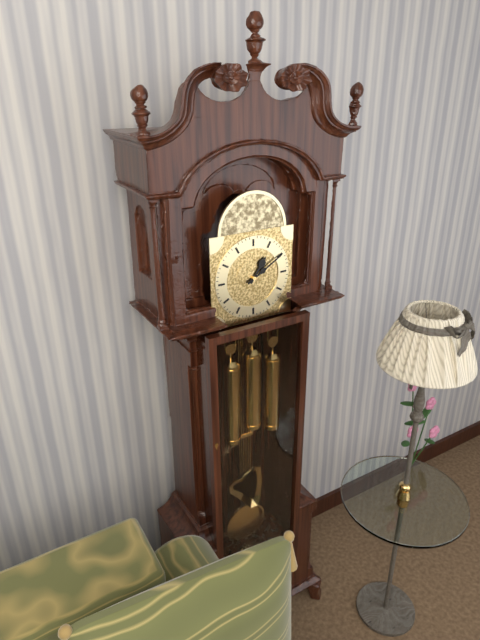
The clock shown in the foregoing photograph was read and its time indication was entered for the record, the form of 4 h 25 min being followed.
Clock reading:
1 h 10 min
